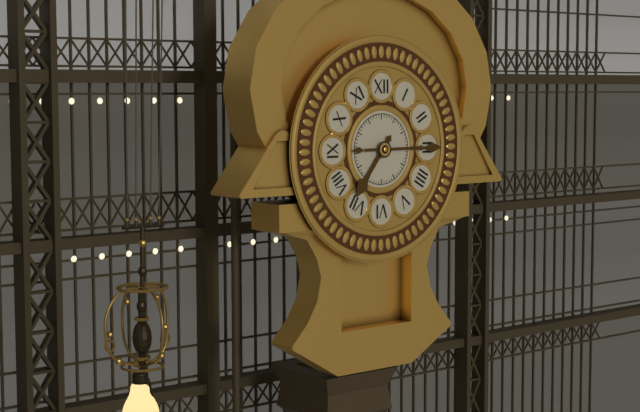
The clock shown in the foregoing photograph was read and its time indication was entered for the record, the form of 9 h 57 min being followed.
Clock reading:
7 h 15 min
